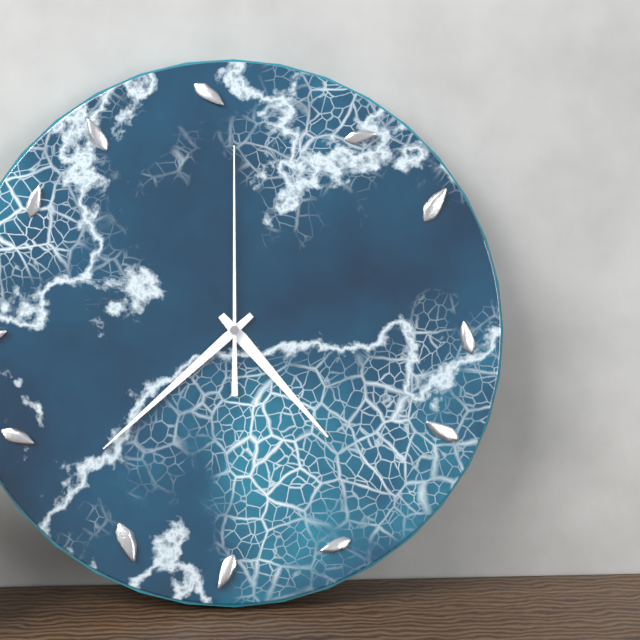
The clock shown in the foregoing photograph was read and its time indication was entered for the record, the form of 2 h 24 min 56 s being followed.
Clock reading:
4 h 38 min 00 s
